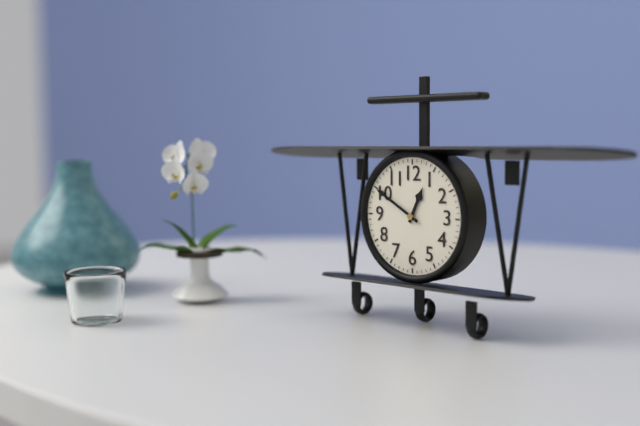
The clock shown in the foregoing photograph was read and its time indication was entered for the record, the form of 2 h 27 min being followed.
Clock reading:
12 h 50 min
